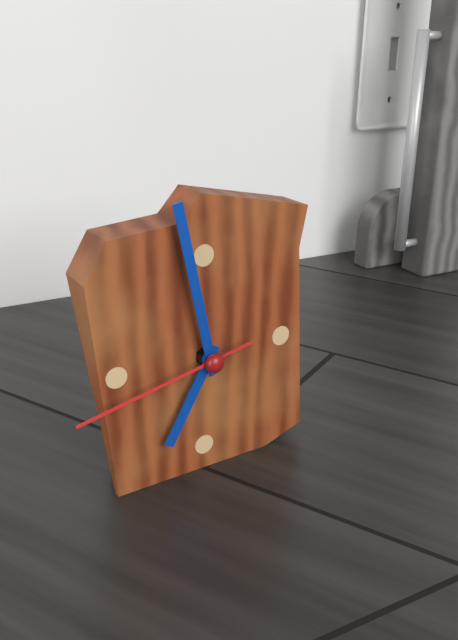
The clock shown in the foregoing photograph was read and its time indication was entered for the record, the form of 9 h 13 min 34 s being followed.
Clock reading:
6 h 58 min 43 s
